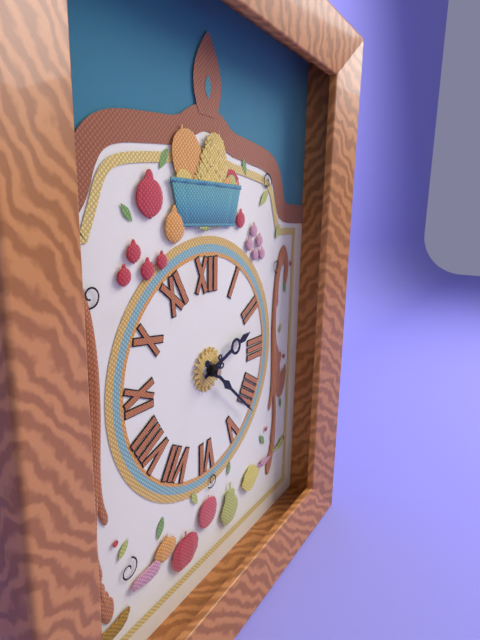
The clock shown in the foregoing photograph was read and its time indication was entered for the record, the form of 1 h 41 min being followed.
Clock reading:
2 h 22 min
